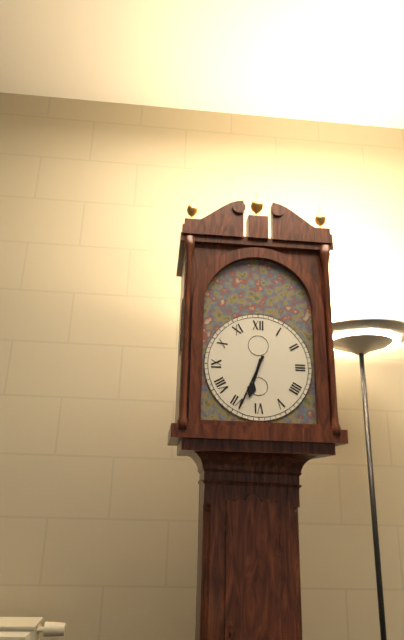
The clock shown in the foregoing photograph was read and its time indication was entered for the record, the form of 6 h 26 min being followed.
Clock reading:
6 h 34 min
